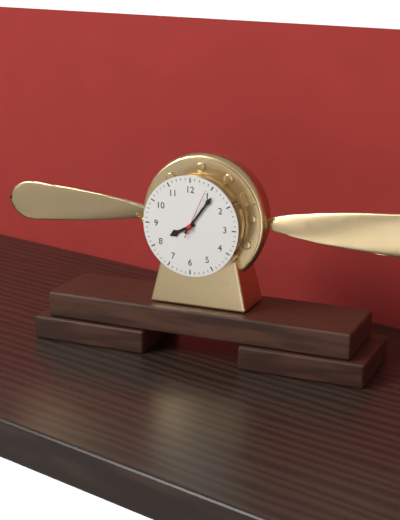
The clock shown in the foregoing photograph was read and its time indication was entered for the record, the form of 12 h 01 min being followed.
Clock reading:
8 h 06 min
